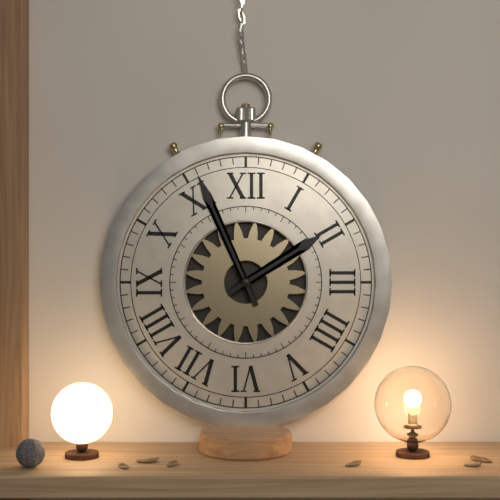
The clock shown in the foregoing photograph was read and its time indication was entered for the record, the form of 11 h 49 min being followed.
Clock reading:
1 h 56 min
